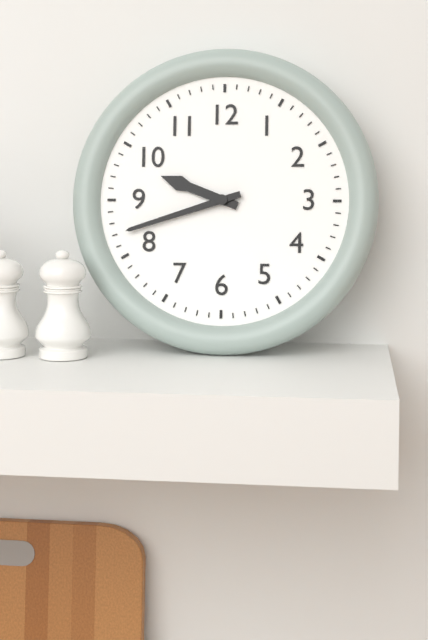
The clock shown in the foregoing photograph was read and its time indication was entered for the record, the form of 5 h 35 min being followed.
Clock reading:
9 h 42 min
